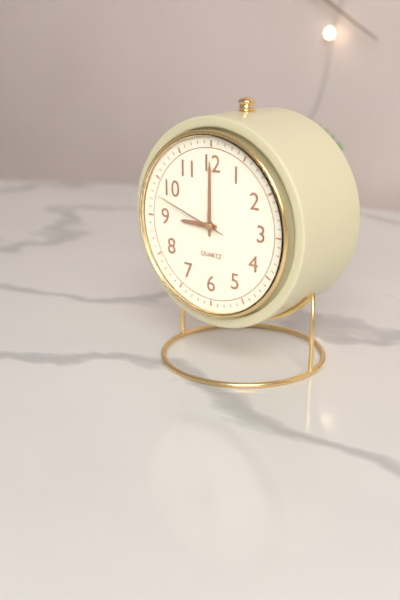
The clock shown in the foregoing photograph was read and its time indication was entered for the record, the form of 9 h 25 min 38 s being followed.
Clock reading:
9 h 00 min 48 s
